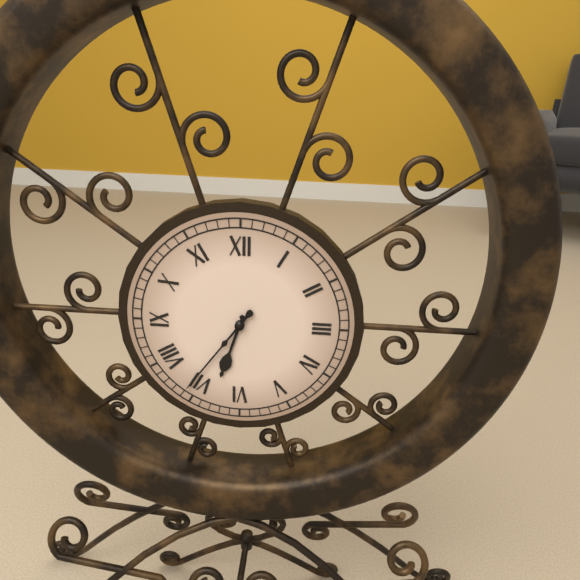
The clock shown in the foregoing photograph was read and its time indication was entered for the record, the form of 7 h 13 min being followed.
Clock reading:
6 h 36 min
